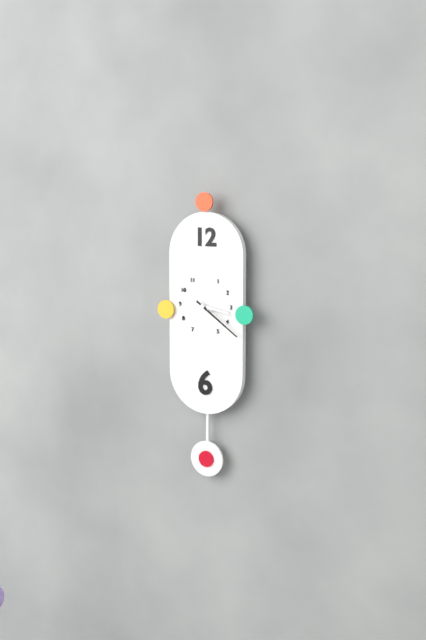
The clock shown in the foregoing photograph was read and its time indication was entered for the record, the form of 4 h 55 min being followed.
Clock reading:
3 h 21 min
